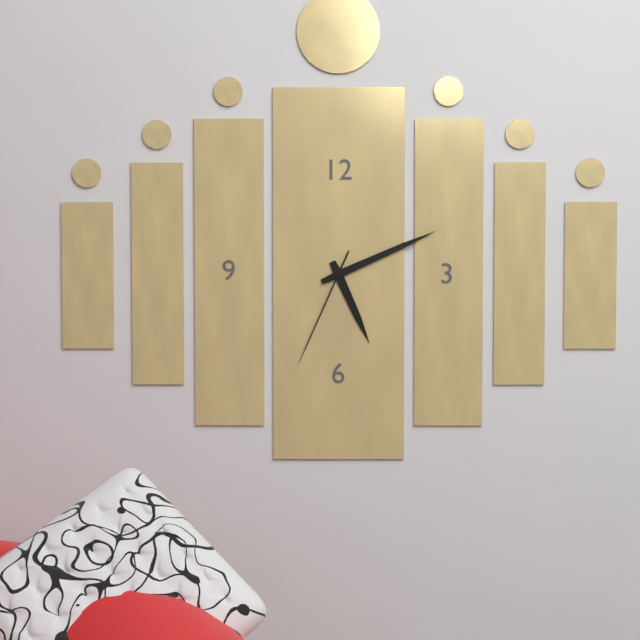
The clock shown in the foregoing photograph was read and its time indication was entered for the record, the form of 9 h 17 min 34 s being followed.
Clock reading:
5 h 11 min 34 s
